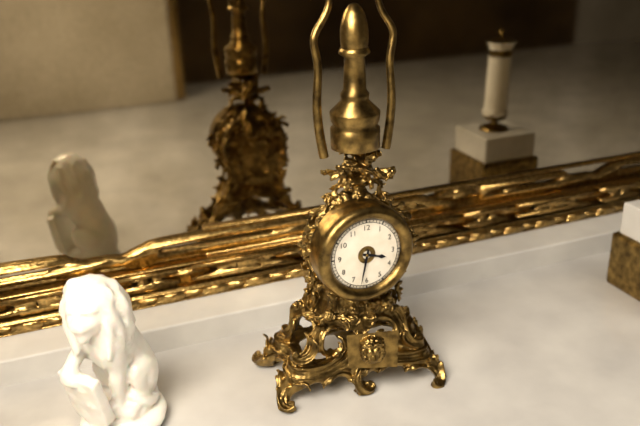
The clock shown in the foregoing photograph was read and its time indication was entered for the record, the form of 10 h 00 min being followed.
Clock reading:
3 h 32 min
